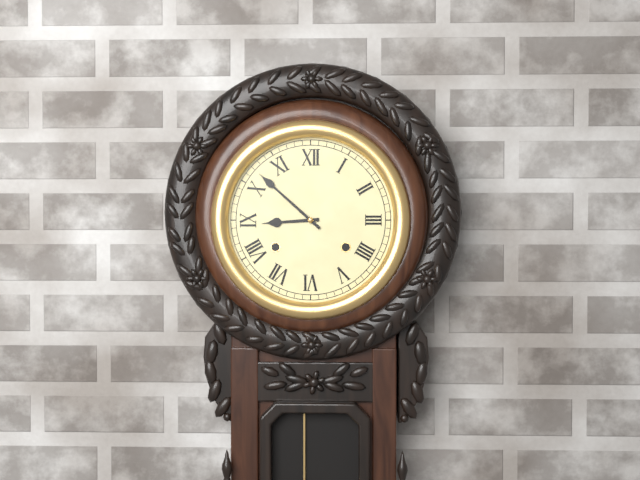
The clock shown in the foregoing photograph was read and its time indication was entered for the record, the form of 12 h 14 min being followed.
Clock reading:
8 h 52 min
